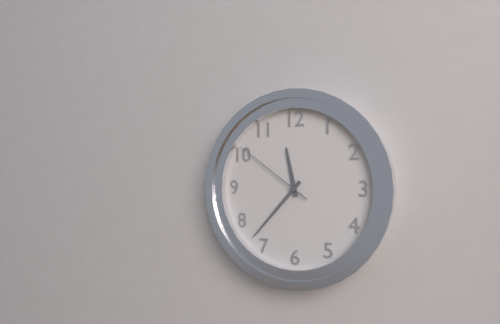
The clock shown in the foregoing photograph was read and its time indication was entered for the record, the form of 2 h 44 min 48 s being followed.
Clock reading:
11 h 37 min 51 s
